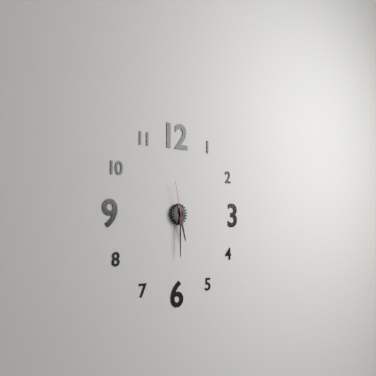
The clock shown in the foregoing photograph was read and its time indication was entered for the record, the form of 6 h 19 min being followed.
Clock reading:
5 h 30 min
